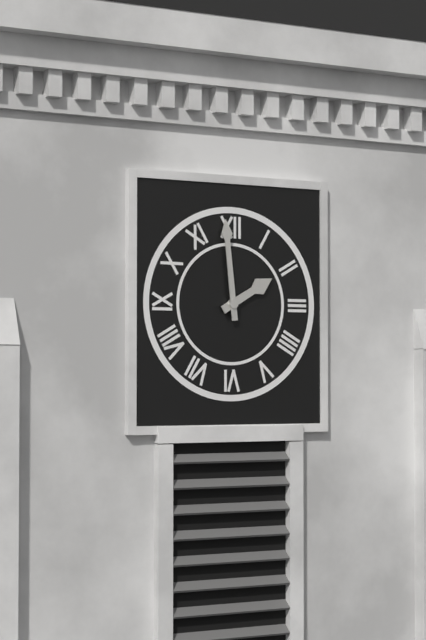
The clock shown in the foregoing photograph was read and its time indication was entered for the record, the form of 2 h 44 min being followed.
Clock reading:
1 h 59 min
